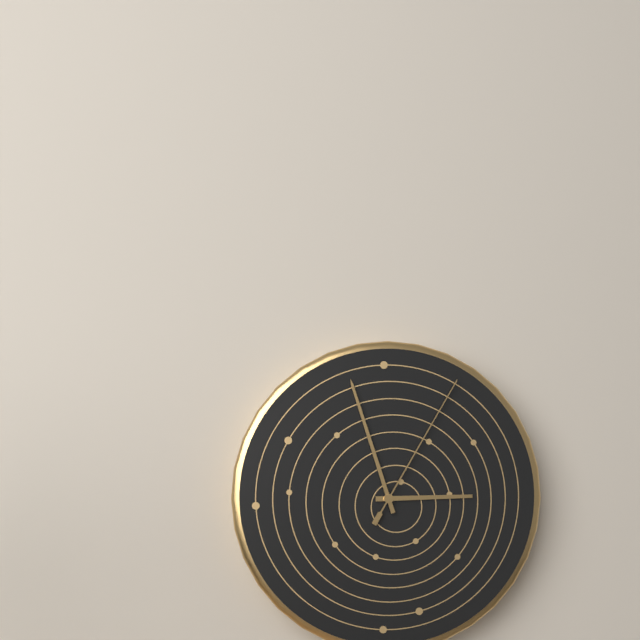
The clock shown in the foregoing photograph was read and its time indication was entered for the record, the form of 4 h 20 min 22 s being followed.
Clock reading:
2 h 57 min 05 s
